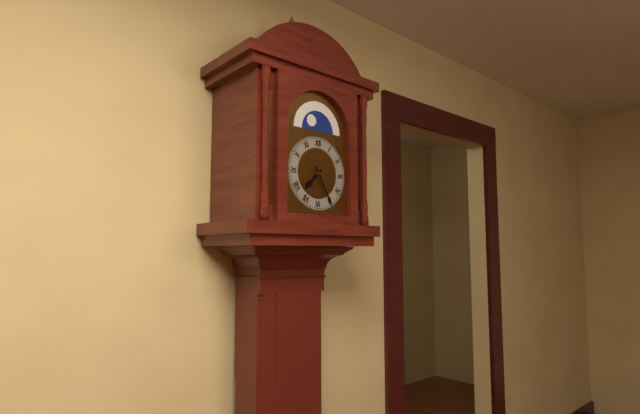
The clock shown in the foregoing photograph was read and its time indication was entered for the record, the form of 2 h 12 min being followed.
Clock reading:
7 h 25 min
